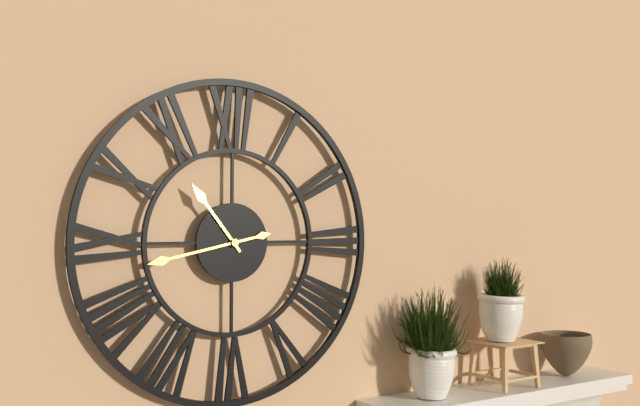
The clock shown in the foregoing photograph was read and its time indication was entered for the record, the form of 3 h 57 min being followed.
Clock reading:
10 h 43 min
